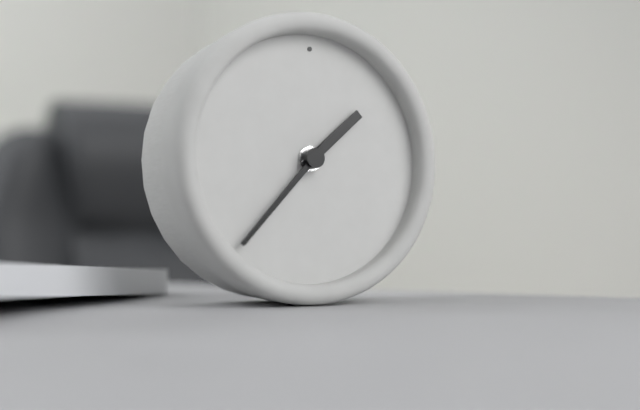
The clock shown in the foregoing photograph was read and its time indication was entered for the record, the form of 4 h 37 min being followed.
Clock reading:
1 h 37 min
